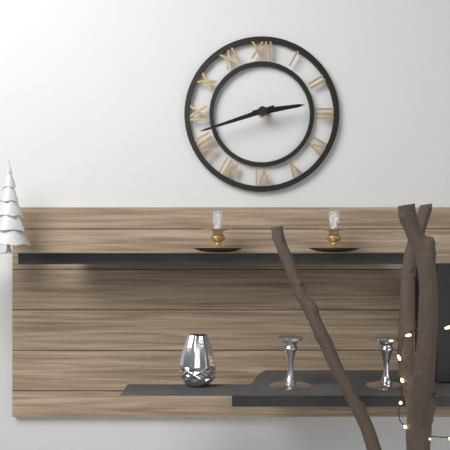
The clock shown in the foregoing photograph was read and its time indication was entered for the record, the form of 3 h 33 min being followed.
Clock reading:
2 h 42 min
